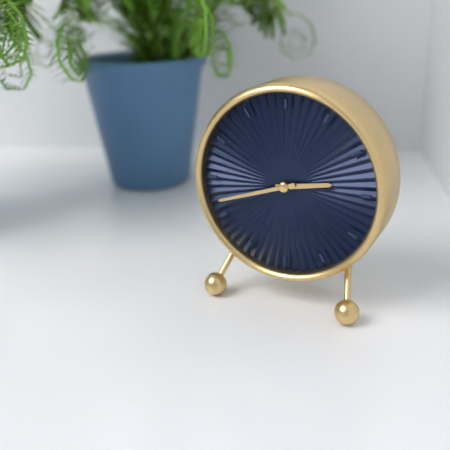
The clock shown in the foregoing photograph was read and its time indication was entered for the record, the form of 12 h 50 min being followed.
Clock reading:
2 h 42 min
